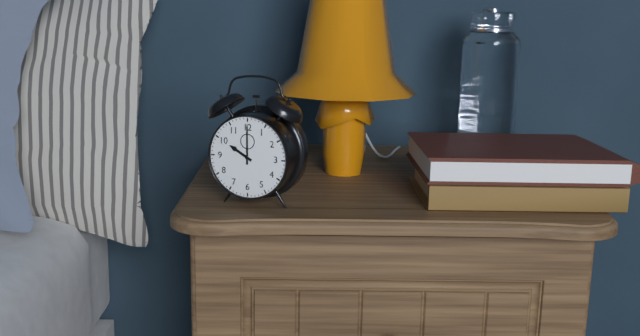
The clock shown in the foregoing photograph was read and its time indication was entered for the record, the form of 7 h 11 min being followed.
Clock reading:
10 h 00 min
